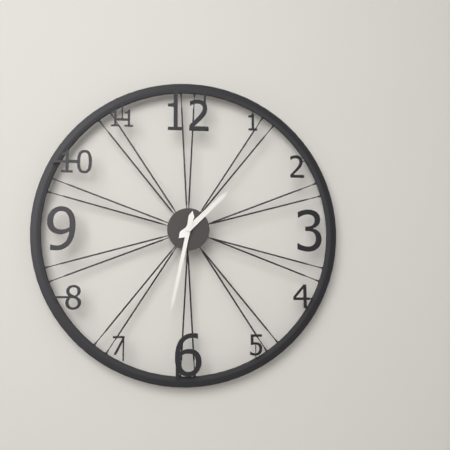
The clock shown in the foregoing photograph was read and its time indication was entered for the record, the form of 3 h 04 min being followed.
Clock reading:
1 h 32 min
